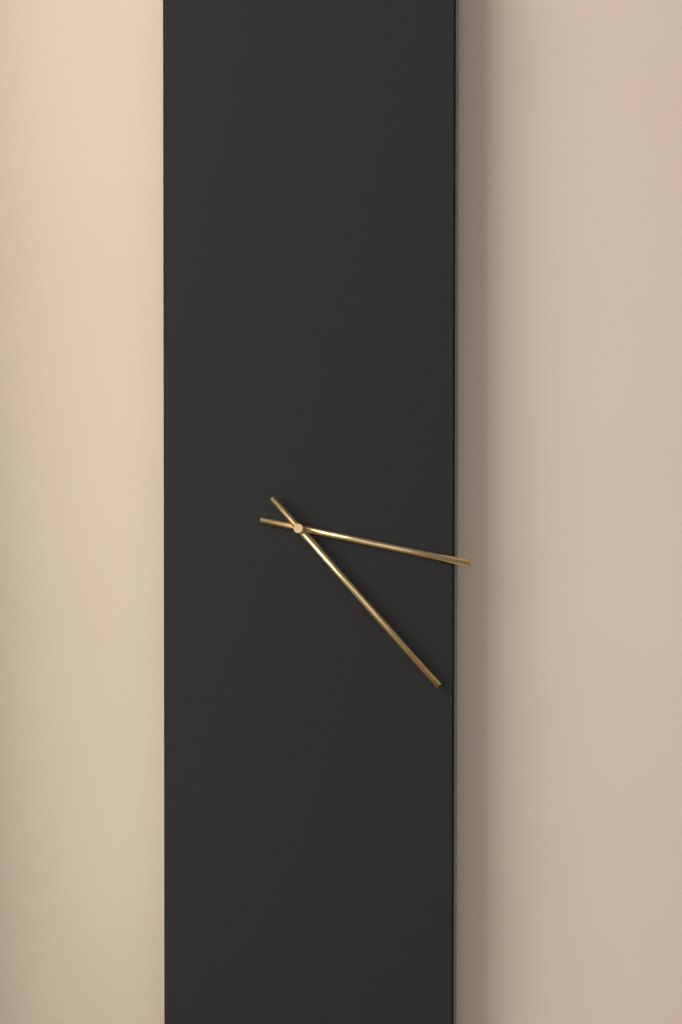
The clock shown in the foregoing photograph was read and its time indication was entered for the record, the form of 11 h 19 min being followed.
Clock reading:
3 h 23 min
